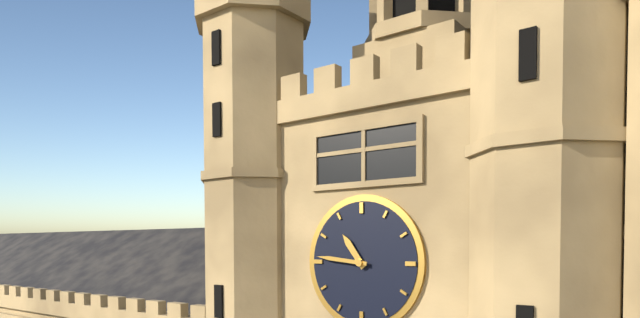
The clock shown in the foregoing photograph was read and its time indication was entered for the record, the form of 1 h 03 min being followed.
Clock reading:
10 h 46 min
